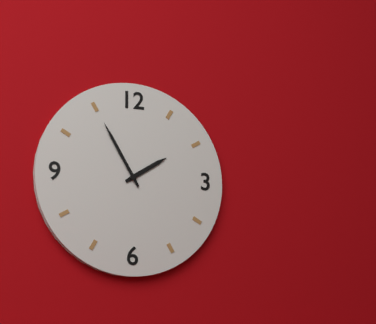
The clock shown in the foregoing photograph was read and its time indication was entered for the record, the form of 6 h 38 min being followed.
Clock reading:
1 h 55 min
